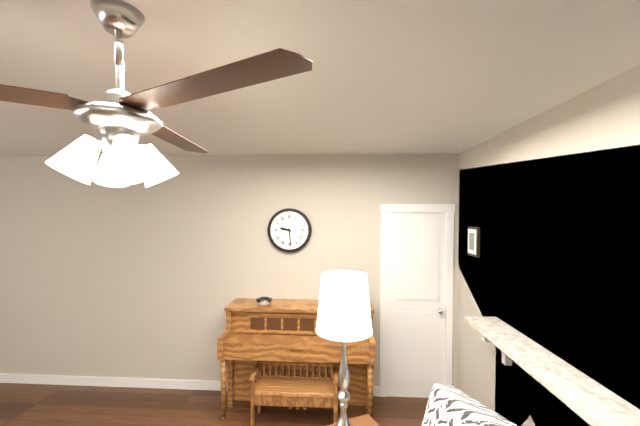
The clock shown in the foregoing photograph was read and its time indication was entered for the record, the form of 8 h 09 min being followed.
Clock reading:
9 h 29 min
